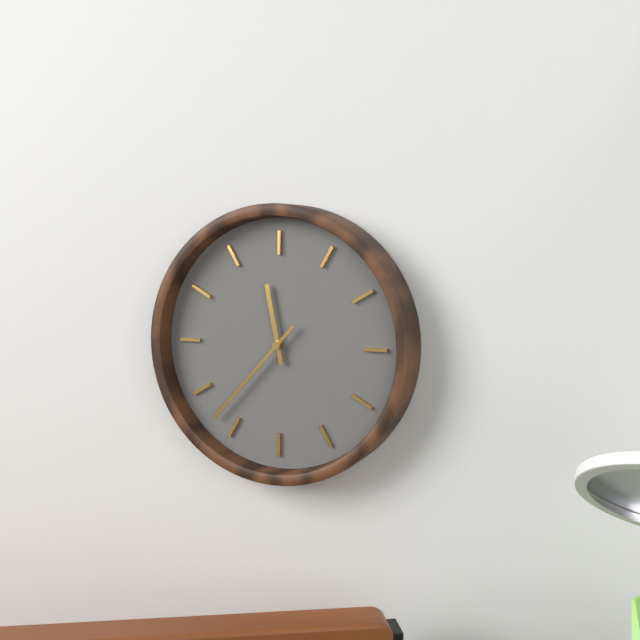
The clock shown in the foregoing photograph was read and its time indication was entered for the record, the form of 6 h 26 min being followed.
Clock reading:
11 h 37 min
